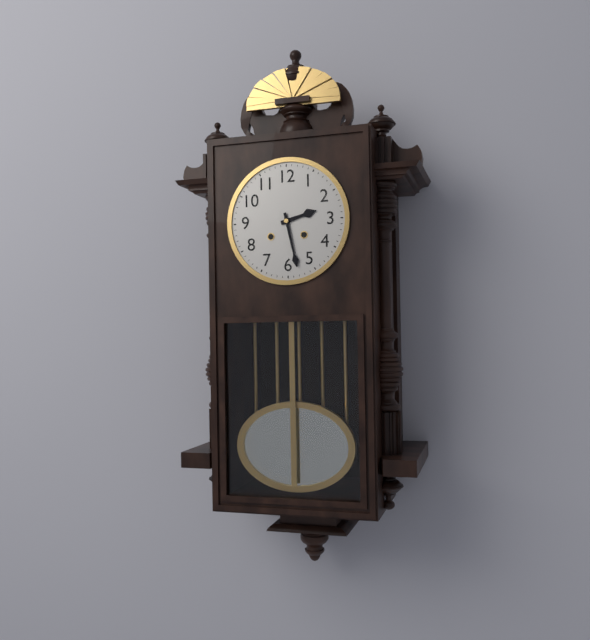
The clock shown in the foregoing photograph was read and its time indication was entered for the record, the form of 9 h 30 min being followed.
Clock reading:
2 h 28 min
